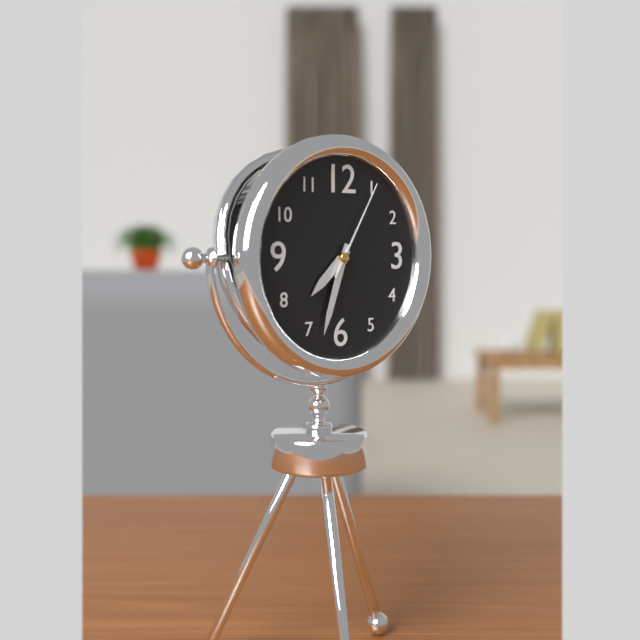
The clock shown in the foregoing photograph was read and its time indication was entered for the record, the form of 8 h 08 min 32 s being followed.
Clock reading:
7 h 33 min 05 s
